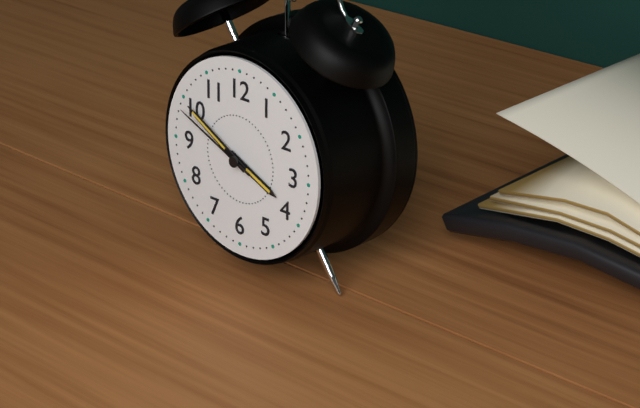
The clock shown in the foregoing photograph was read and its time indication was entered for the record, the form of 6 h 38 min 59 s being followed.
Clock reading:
3 h 50 min 49 s
